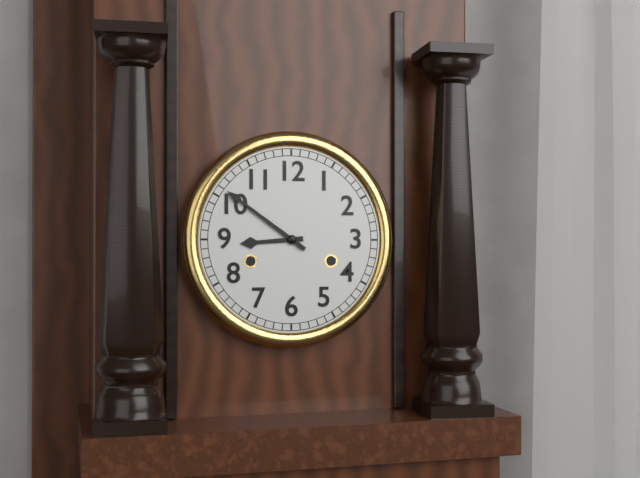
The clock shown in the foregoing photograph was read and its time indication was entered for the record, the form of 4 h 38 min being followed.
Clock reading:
8 h 51 min
